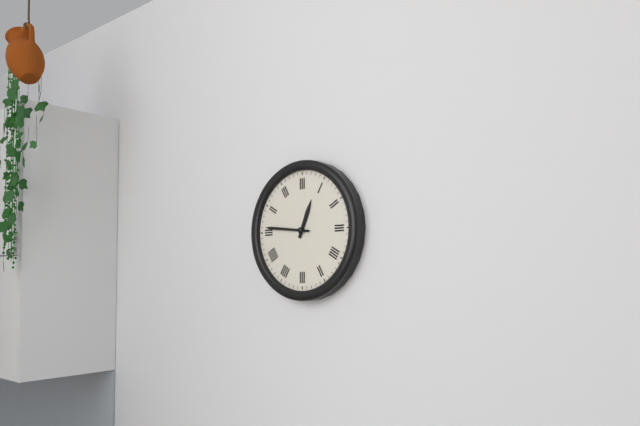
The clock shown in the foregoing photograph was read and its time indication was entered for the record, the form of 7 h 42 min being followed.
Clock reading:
12 h 46 min
